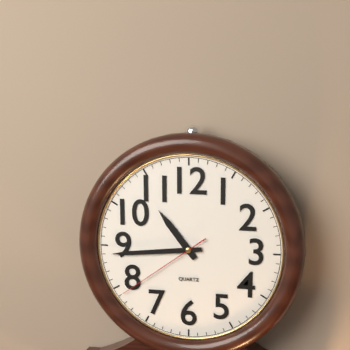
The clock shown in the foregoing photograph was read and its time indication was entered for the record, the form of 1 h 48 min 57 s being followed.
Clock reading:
10 h 44 min 39 s
